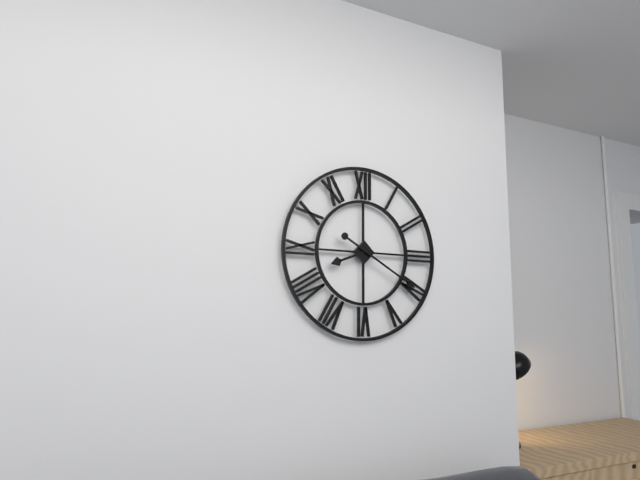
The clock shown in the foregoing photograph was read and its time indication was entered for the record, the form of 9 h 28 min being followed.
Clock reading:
8 h 20 min
